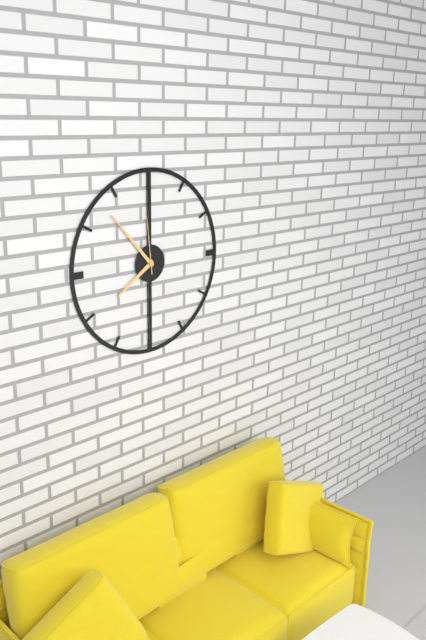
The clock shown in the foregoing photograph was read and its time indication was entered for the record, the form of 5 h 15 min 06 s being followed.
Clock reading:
7 h 53 min 59 s
